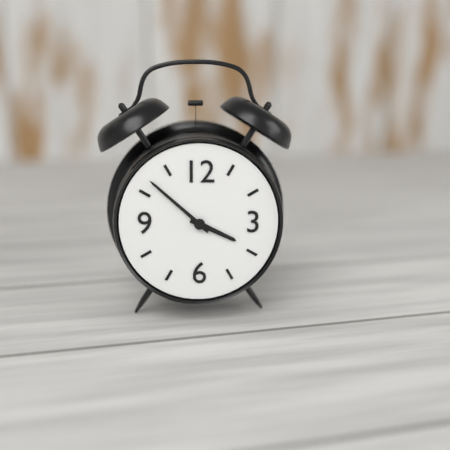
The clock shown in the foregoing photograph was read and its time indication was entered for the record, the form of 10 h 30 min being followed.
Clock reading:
3 h 52 min
